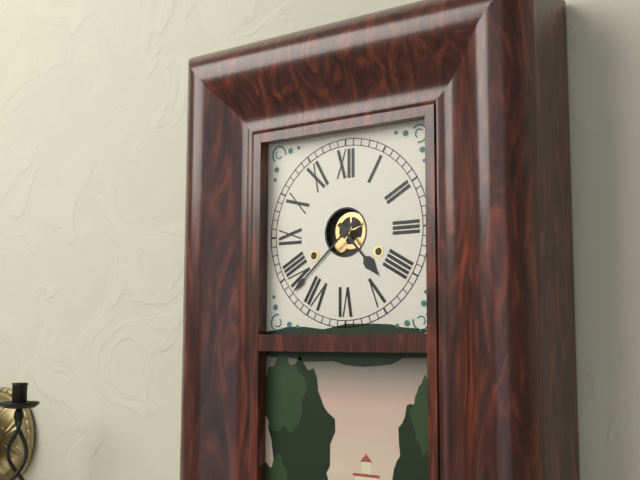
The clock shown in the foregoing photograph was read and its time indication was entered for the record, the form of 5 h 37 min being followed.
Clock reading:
4 h 38 min
